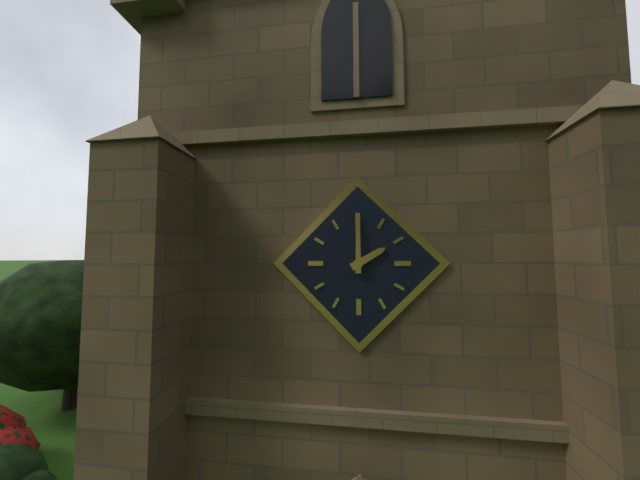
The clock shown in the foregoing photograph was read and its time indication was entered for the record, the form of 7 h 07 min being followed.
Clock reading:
2 h 00 min
